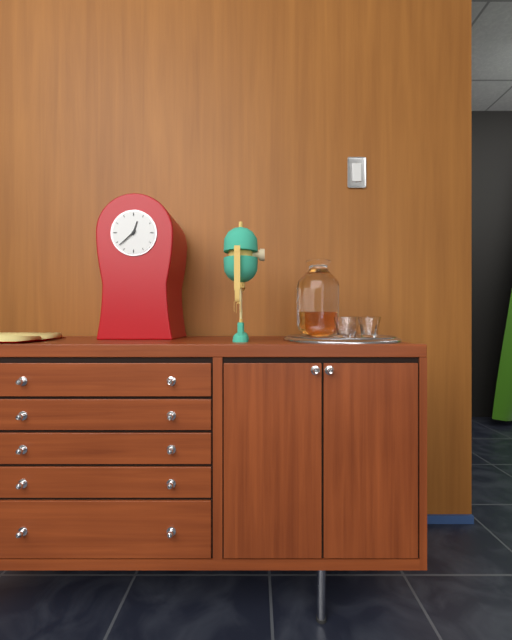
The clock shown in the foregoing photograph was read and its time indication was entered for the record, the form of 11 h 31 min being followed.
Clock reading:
12 h 38 min
